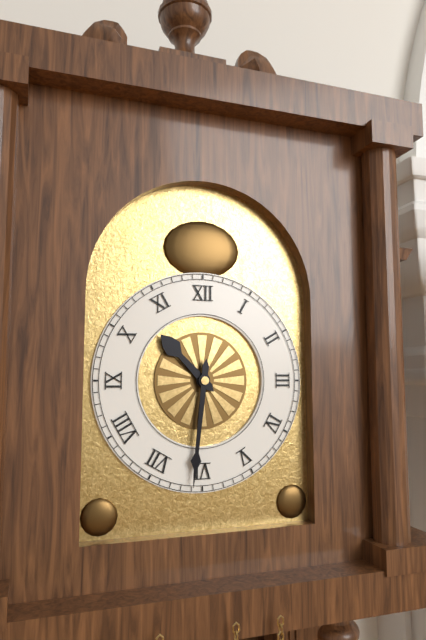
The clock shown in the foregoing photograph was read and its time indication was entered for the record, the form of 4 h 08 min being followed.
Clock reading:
10 h 31 min
